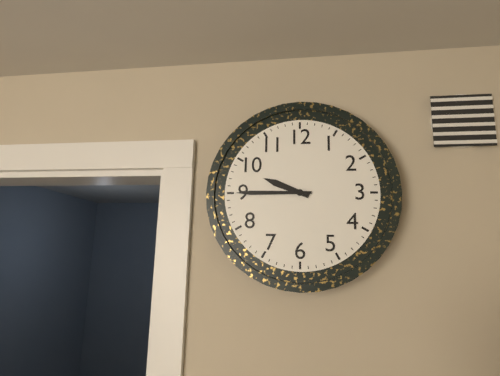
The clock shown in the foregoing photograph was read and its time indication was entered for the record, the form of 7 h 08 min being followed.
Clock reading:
9 h 45 min
